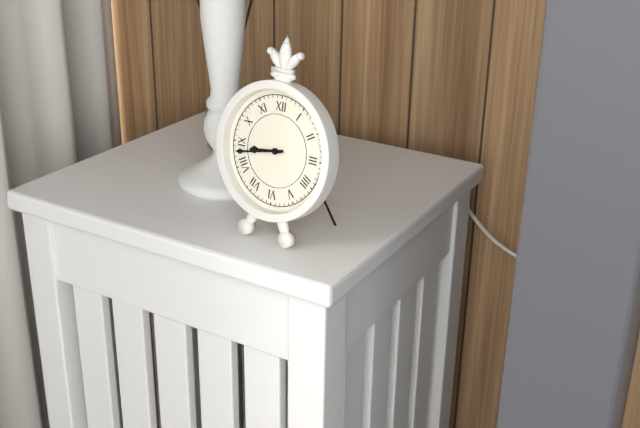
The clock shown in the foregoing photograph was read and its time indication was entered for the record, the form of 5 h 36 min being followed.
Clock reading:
8 h 43 min
